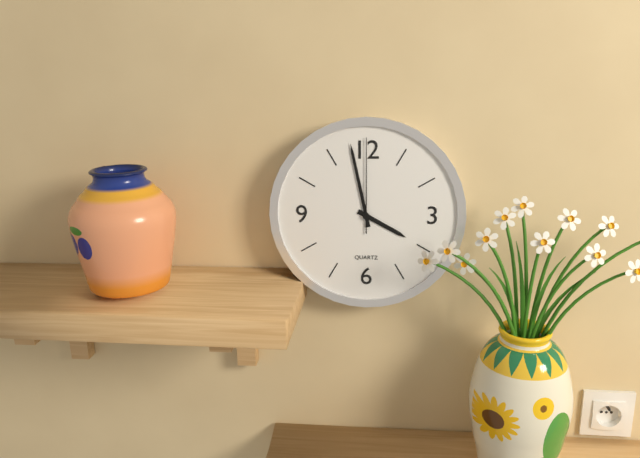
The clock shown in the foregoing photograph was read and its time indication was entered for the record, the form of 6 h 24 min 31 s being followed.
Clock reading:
3 h 58 min 00 s
